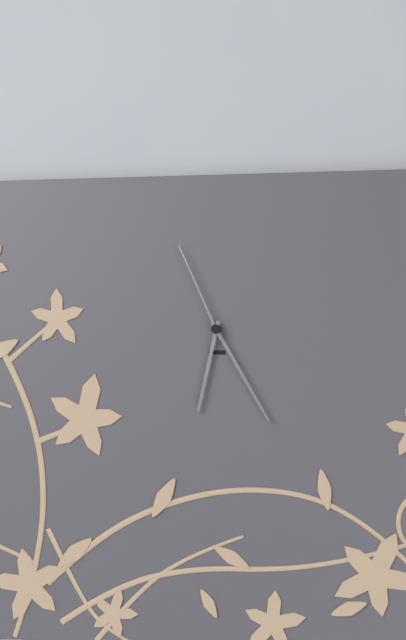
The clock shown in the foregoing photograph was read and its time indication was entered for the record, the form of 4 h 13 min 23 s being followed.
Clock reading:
6 h 25 min 56 s
